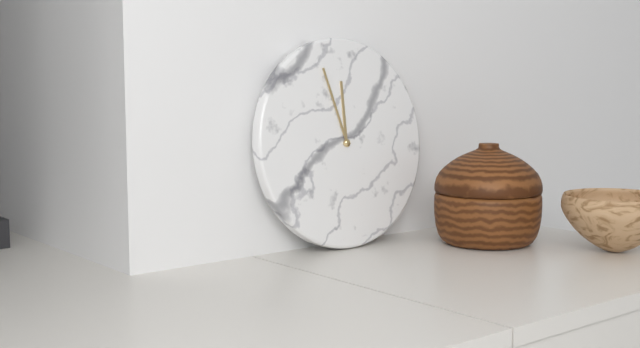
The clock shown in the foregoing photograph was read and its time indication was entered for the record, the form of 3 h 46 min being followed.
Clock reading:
11 h 57 min
